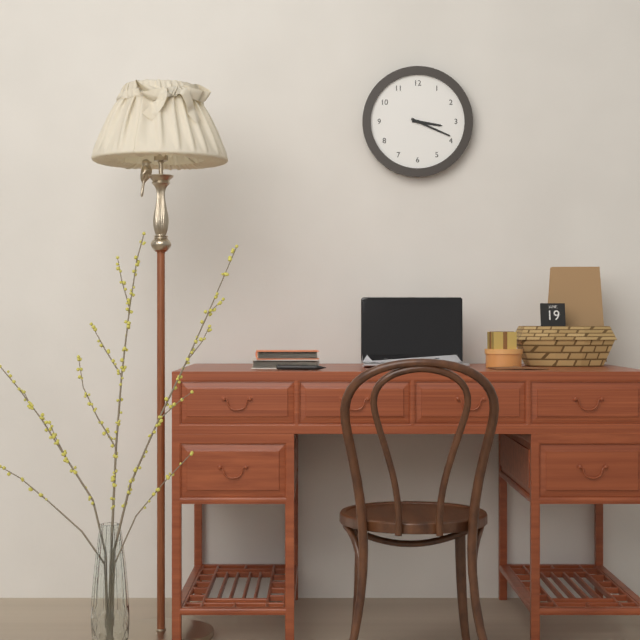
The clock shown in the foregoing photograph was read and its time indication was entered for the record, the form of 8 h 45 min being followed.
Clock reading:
3 h 19 min
